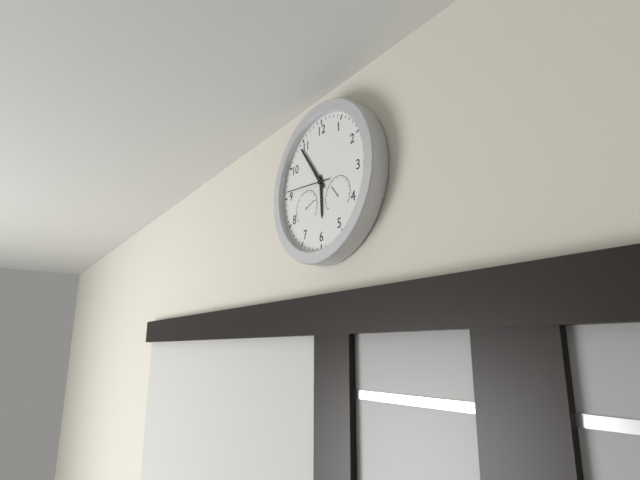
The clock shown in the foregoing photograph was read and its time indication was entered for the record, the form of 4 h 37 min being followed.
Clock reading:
5 h 54 min
